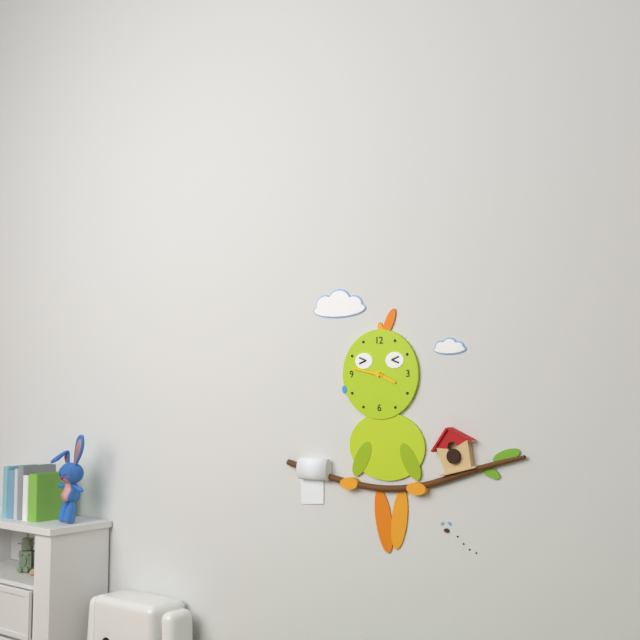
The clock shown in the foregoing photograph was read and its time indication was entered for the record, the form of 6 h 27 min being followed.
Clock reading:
3 h 47 min
